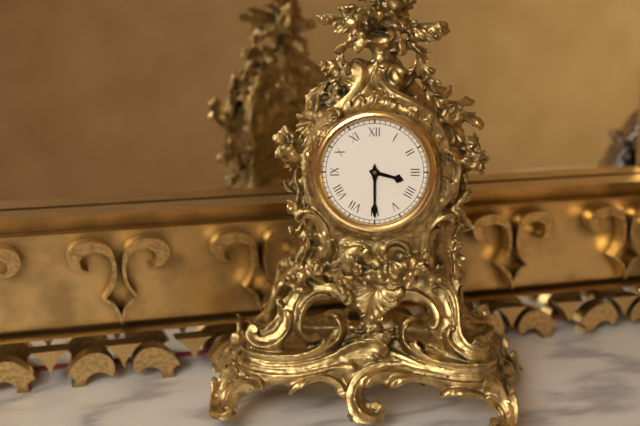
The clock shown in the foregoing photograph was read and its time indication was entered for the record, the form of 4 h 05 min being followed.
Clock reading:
3 h 30 min
